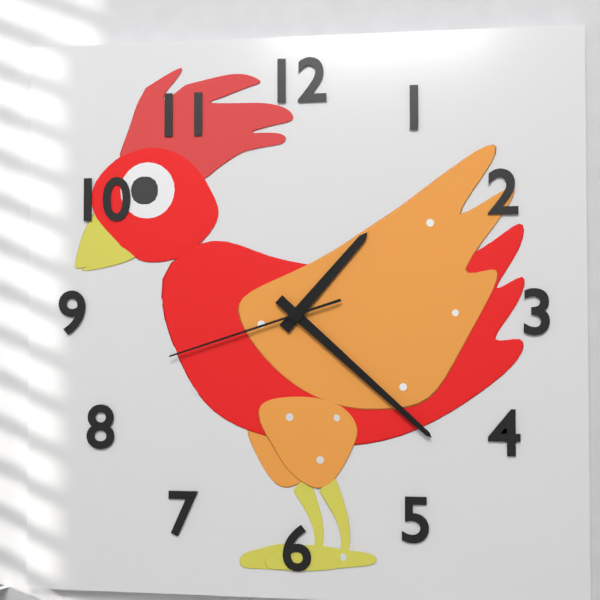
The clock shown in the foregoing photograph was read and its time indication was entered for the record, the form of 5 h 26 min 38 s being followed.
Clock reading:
1 h 22 min 42 s
